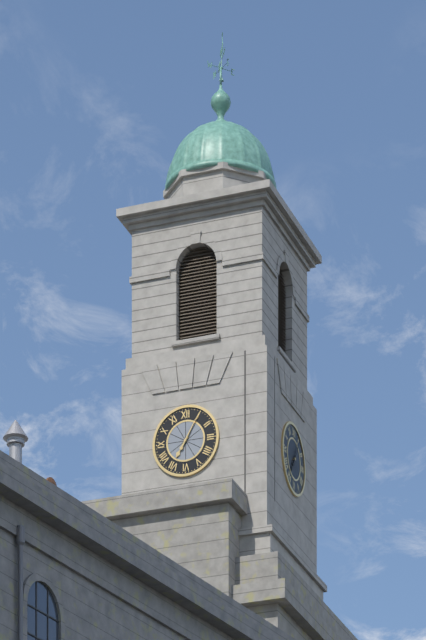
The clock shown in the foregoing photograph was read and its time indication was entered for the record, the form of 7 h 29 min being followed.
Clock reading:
7 h 05 min
